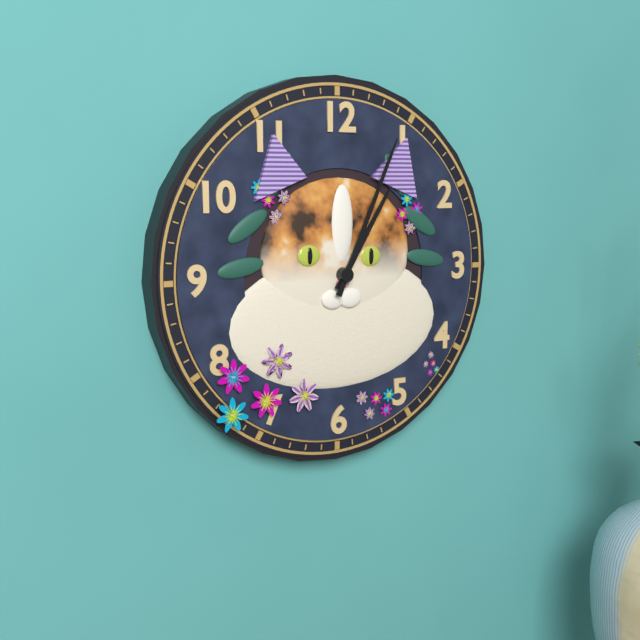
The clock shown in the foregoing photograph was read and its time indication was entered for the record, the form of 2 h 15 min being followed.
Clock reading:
1 h 04 min
